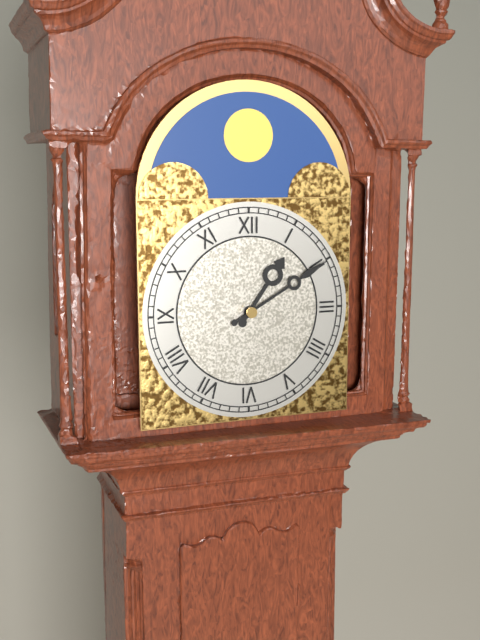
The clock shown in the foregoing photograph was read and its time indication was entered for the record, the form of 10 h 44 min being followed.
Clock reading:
1 h 10 min
